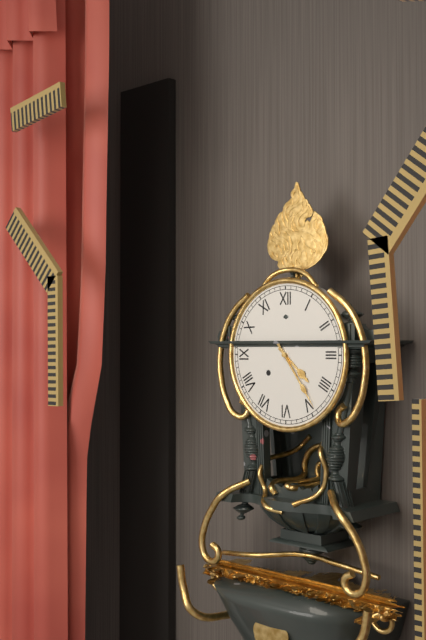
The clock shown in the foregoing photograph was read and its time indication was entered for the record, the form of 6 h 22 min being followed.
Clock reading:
4 h 24 min
